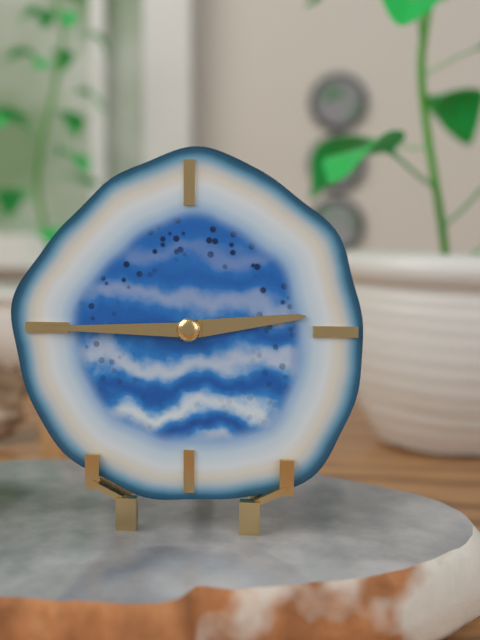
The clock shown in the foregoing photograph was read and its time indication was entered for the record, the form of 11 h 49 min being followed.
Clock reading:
2 h 45 min
